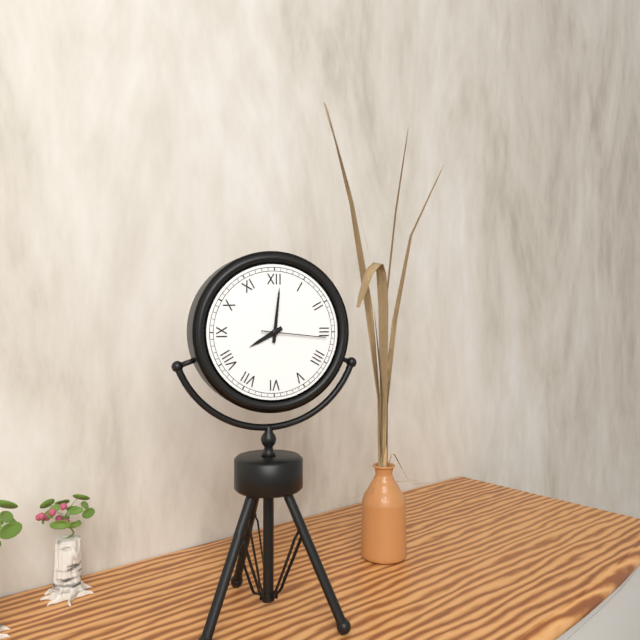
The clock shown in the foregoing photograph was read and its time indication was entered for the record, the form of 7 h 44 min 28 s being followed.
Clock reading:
8 h 01 min 16 s
